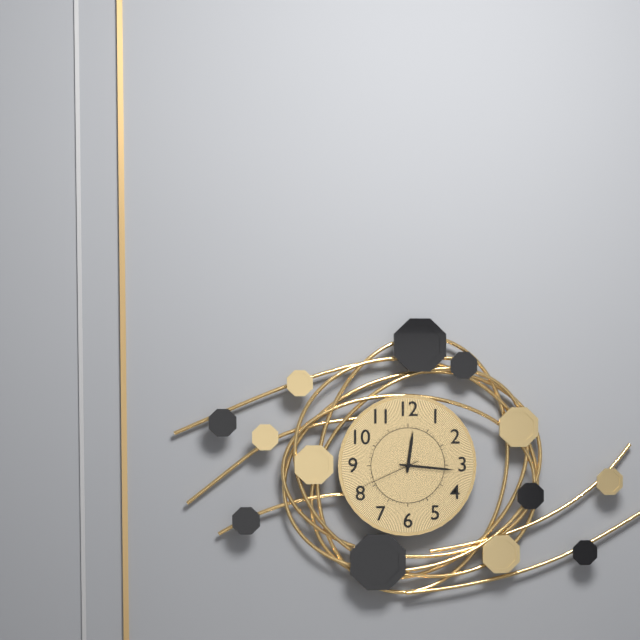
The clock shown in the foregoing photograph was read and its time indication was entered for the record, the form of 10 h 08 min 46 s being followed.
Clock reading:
12 h 16 min 41 s
